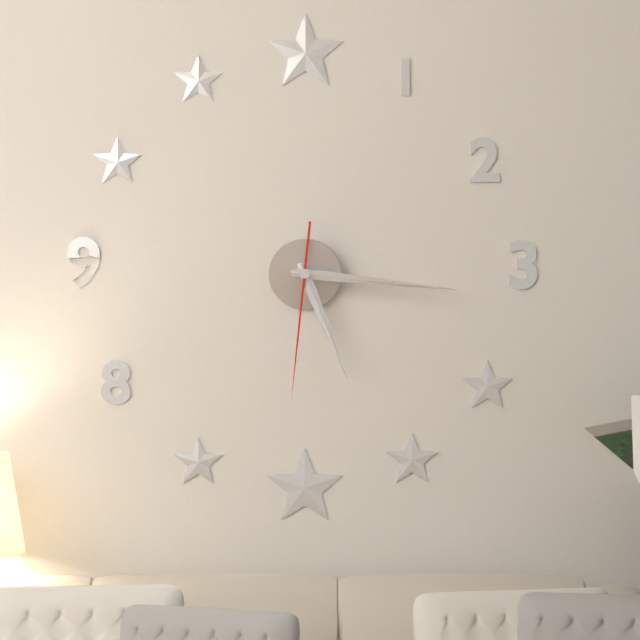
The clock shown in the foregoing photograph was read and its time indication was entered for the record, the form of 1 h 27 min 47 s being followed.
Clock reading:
5 h 16 min 31 s
